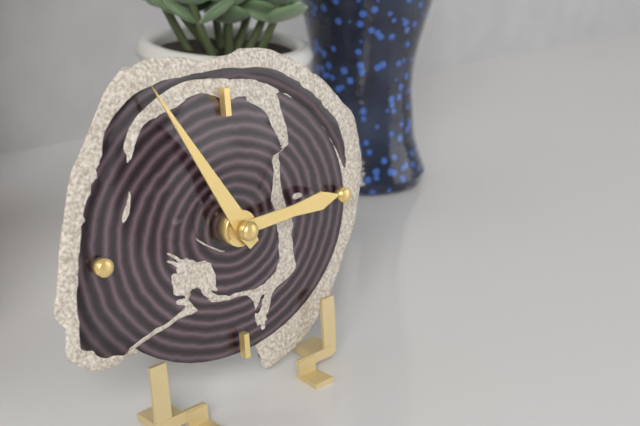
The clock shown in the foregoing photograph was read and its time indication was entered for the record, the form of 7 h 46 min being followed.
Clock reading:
2 h 55 min
